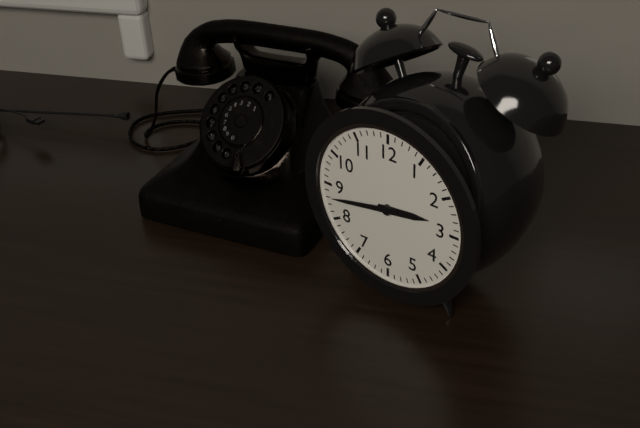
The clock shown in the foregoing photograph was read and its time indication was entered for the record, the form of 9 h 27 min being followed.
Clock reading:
2 h 43 min
